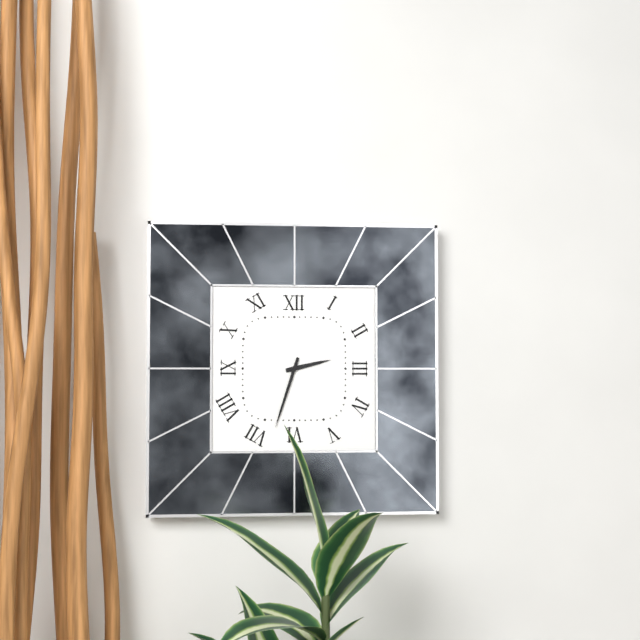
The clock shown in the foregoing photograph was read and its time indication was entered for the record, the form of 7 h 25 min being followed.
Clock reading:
2 h 33 min
